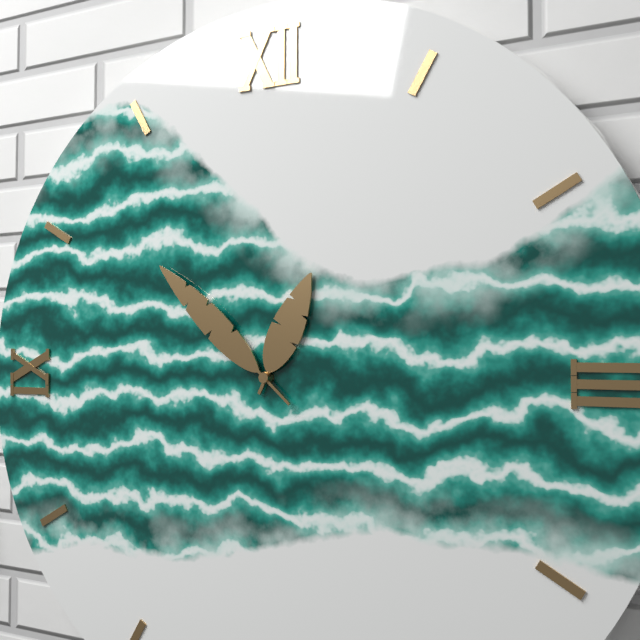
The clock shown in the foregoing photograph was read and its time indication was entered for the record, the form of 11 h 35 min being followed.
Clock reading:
12 h 52 min
